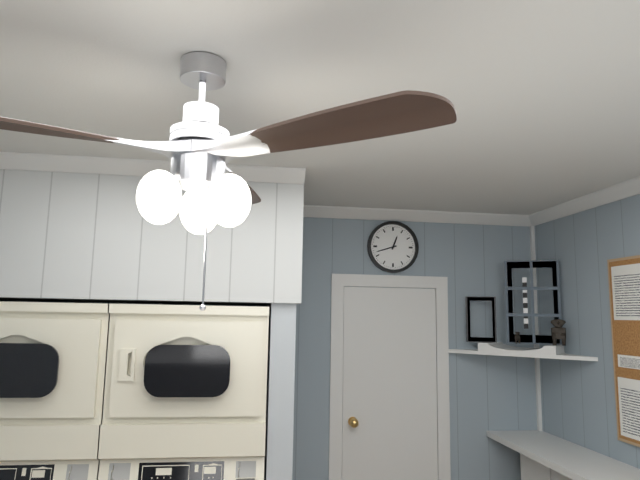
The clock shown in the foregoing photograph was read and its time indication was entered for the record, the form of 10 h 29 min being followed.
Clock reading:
12 h 42 min
